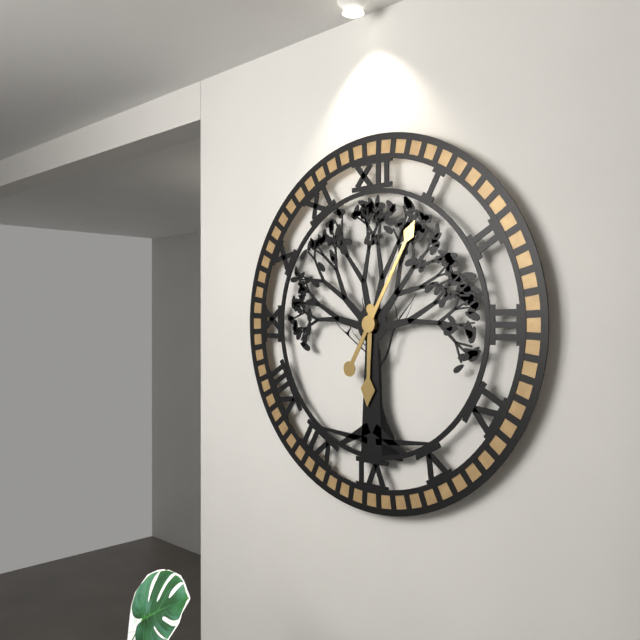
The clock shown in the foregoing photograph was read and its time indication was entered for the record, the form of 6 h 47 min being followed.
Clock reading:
6 h 05 min
